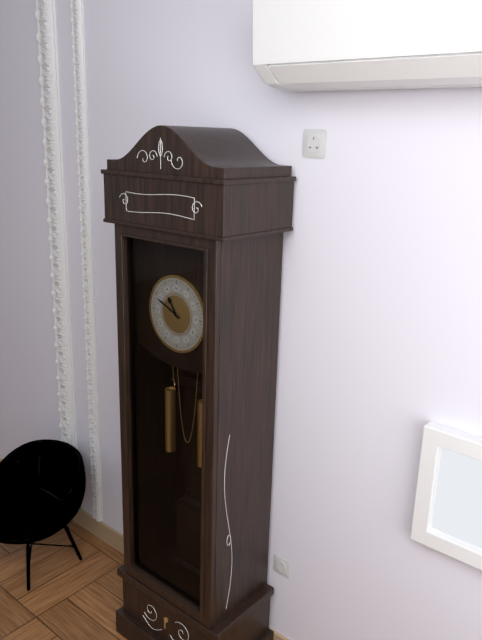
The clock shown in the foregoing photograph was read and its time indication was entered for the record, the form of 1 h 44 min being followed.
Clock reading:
10 h 49 min
